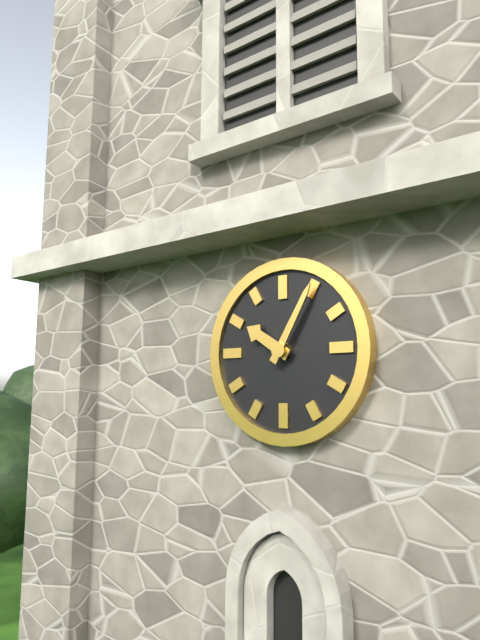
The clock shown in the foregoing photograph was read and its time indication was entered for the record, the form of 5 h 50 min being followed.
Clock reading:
10 h 05 min
